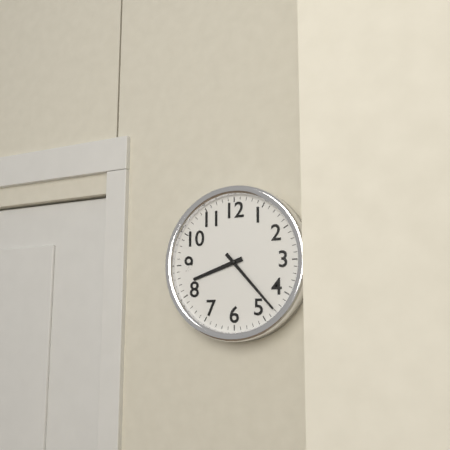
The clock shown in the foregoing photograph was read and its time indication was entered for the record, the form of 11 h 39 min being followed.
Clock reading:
8 h 23 min
